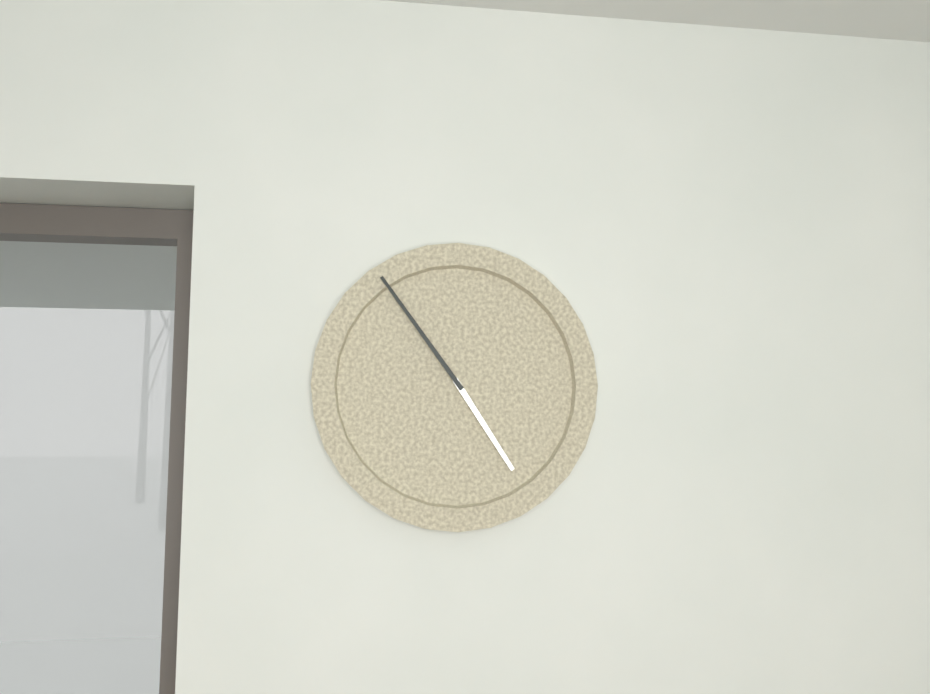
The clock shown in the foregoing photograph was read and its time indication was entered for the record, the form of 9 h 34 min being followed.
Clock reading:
4 h 54 min
